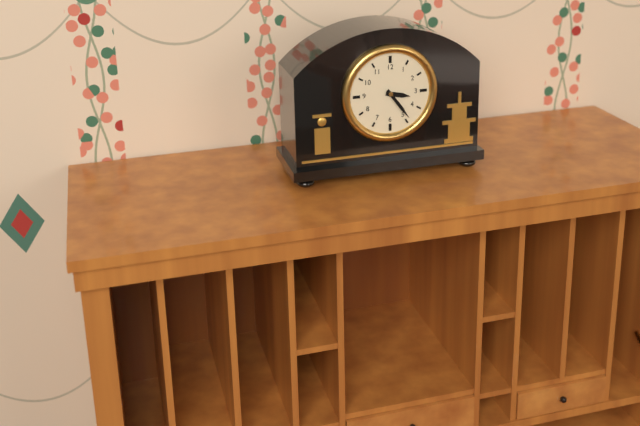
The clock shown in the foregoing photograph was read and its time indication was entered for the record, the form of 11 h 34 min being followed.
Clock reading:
3 h 24 min
